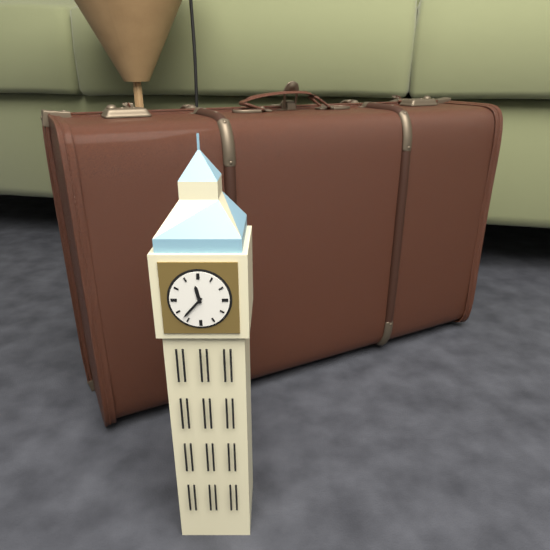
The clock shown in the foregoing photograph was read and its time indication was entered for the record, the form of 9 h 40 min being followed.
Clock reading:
11 h 37 min
